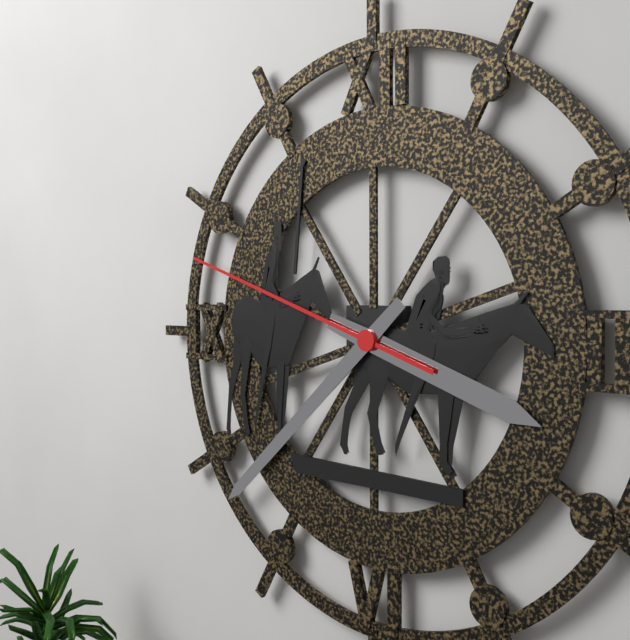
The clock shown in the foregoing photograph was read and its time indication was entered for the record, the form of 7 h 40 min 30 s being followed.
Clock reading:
3 h 38 min 48 s
